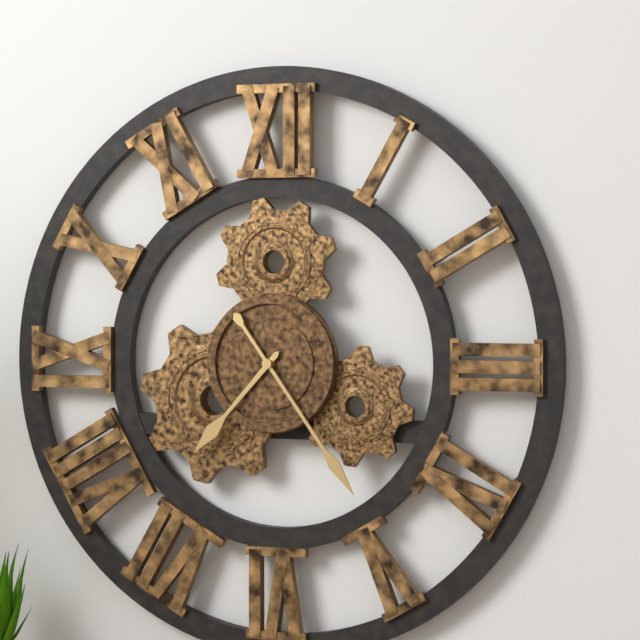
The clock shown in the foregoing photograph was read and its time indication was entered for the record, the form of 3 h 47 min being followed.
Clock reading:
7 h 24 min
